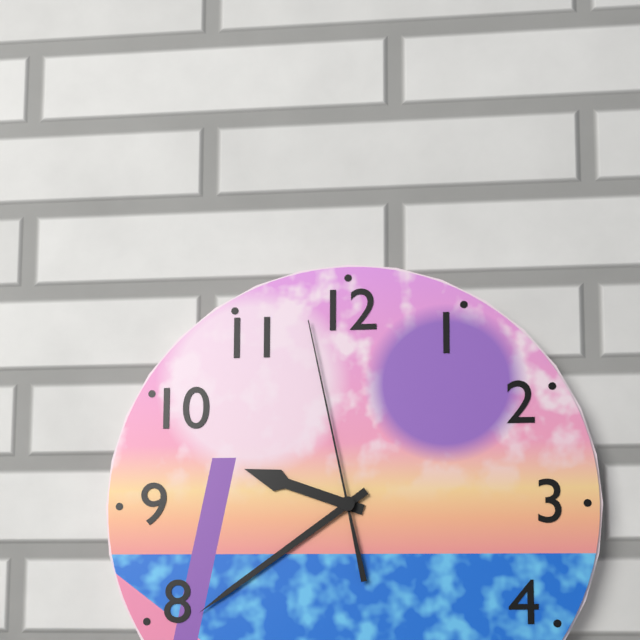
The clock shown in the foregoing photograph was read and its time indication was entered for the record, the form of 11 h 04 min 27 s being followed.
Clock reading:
9 h 39 min 58 s
